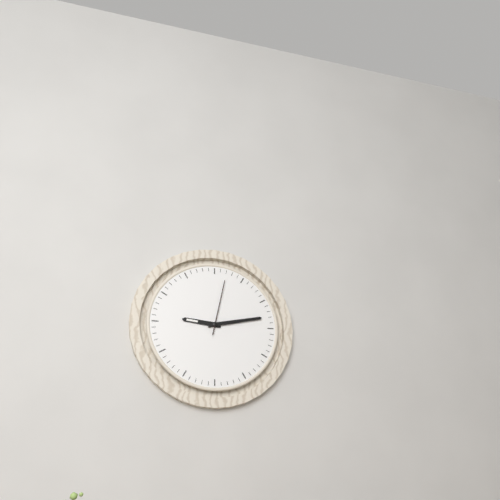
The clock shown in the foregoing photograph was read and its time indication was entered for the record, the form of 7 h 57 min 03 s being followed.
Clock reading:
9 h 13 min 02 s
